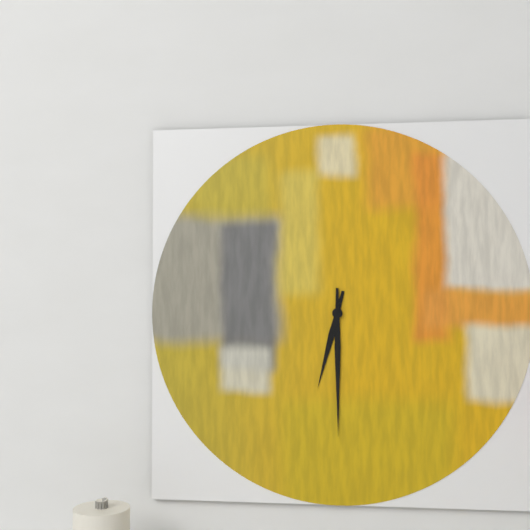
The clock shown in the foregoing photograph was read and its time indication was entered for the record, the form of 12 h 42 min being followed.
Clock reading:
6 h 30 min
